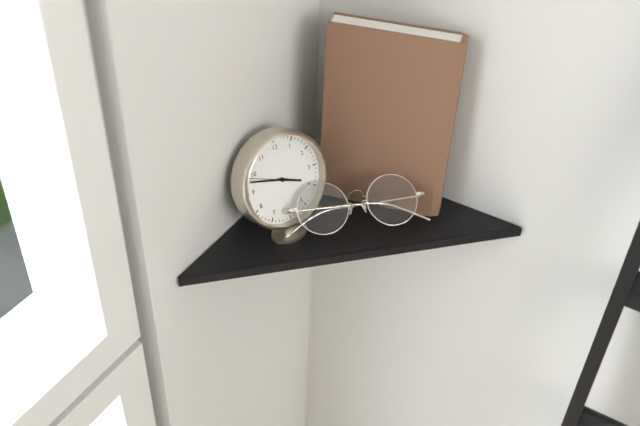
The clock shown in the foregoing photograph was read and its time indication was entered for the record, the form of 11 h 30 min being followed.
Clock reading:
3 h 48 min
